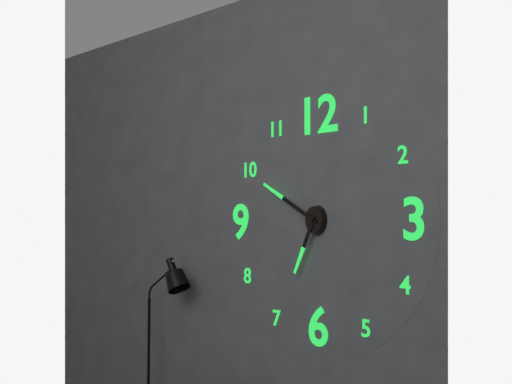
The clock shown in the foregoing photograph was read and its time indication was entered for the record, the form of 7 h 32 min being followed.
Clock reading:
6 h 50 min
